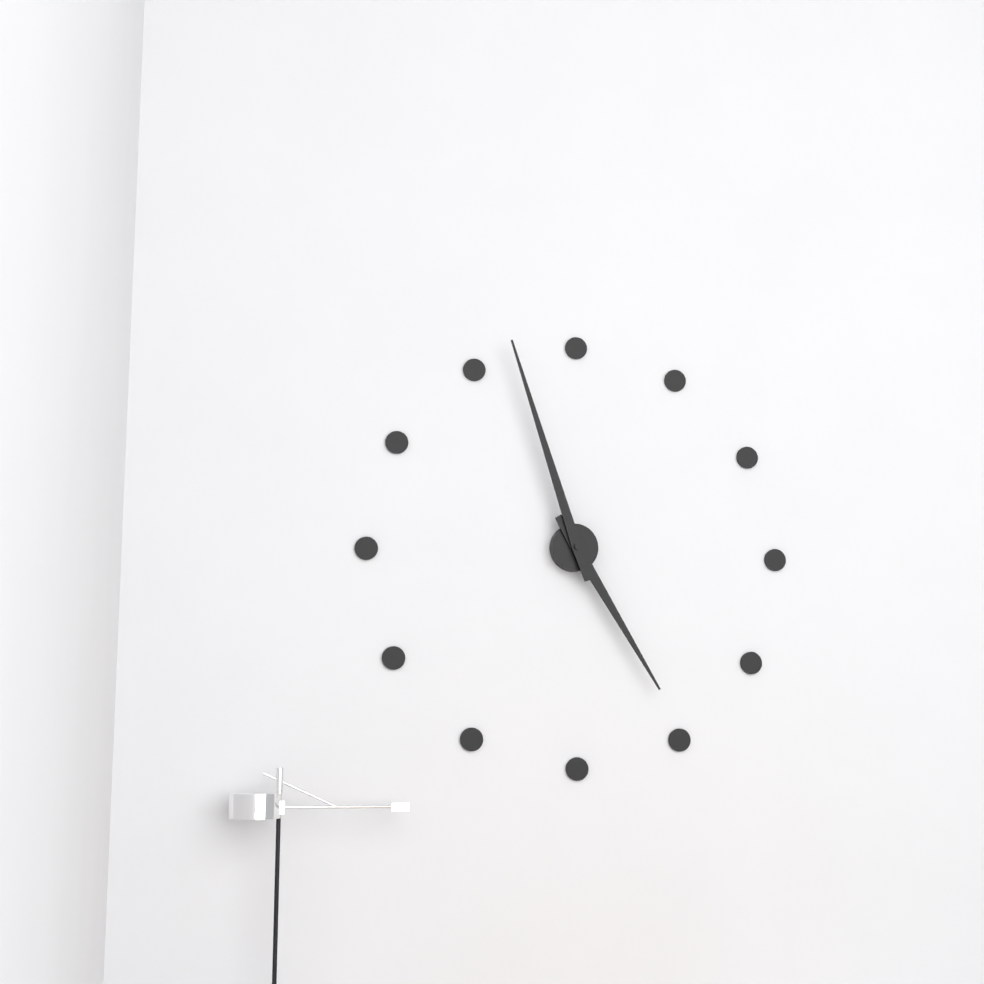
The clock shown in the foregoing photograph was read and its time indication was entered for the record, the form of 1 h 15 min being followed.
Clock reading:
4 h 57 min
